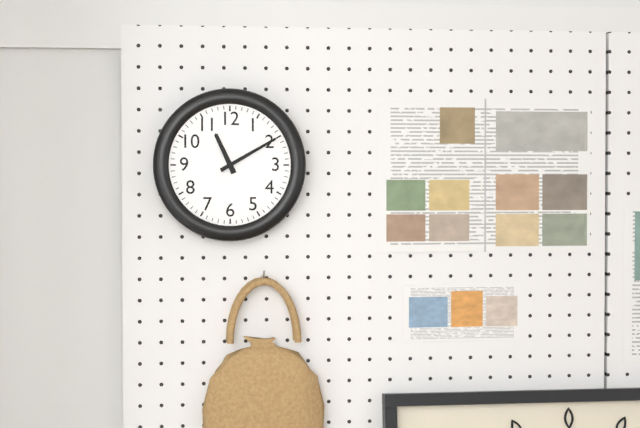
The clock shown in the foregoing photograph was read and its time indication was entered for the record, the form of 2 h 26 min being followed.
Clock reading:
11 h 10 min
